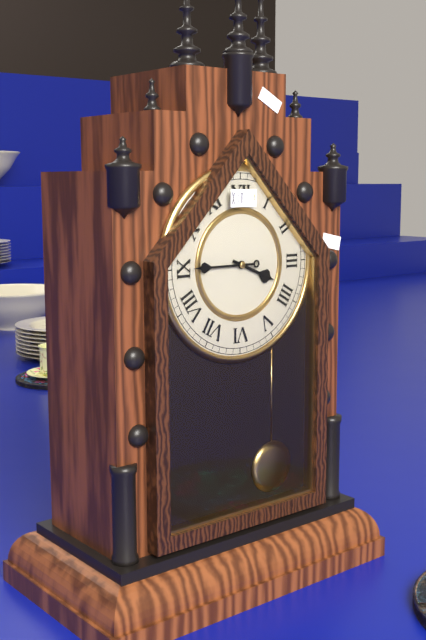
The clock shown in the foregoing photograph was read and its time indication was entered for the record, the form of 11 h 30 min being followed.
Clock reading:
3 h 45 min
